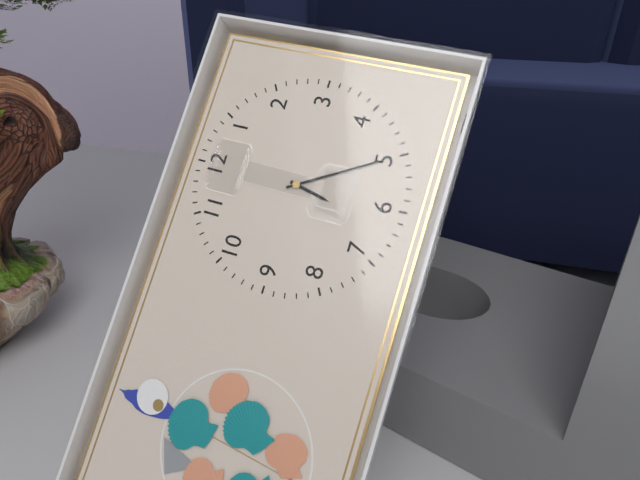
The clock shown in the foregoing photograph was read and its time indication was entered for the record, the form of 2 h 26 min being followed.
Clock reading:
6 h 25 min
